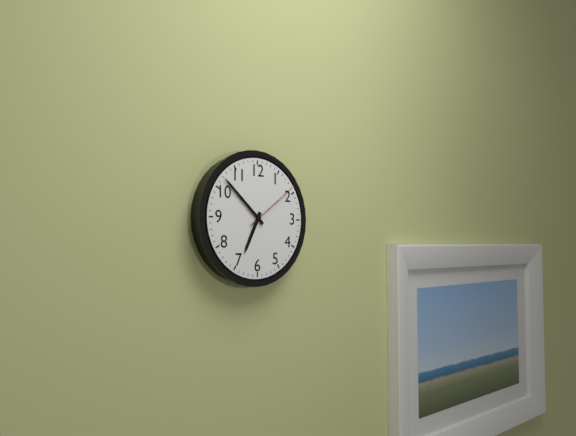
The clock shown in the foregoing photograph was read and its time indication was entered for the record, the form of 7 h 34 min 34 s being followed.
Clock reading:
6 h 52 min 09 s
